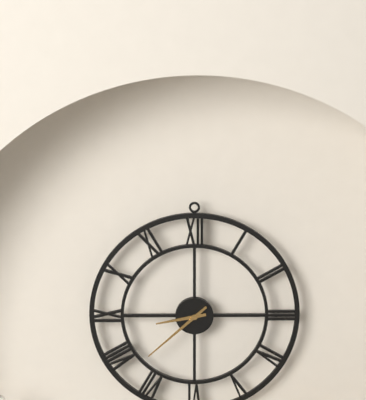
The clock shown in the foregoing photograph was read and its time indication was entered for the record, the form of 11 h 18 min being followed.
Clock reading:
8 h 38 min
